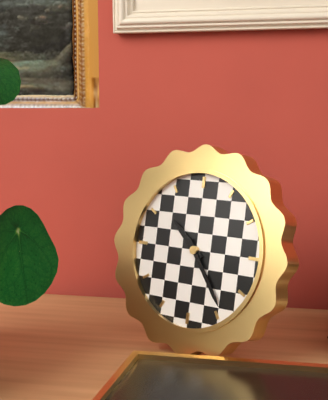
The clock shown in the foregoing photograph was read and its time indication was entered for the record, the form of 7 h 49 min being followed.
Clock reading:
10 h 24 min
